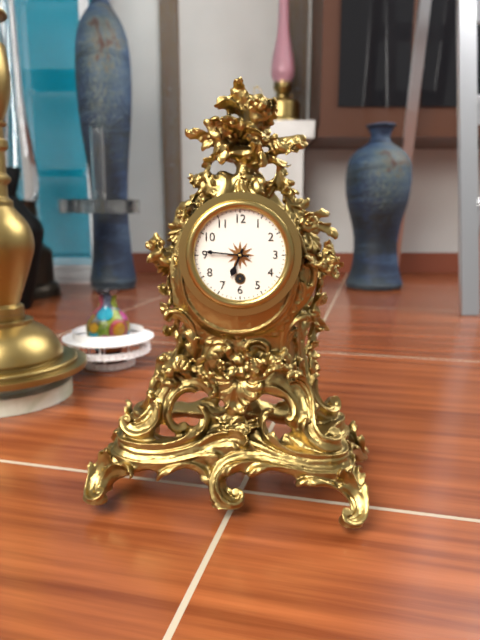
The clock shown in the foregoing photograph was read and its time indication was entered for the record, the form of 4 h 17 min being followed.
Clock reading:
6 h 46 min
